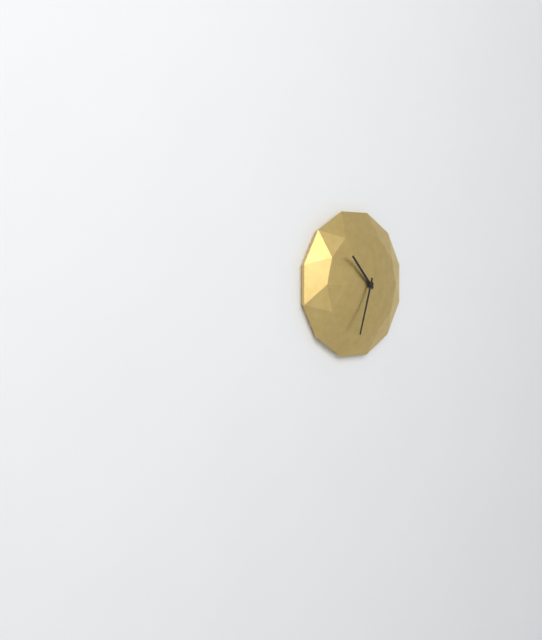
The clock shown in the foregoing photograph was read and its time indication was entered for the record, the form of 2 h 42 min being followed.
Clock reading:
10 h 33 min
